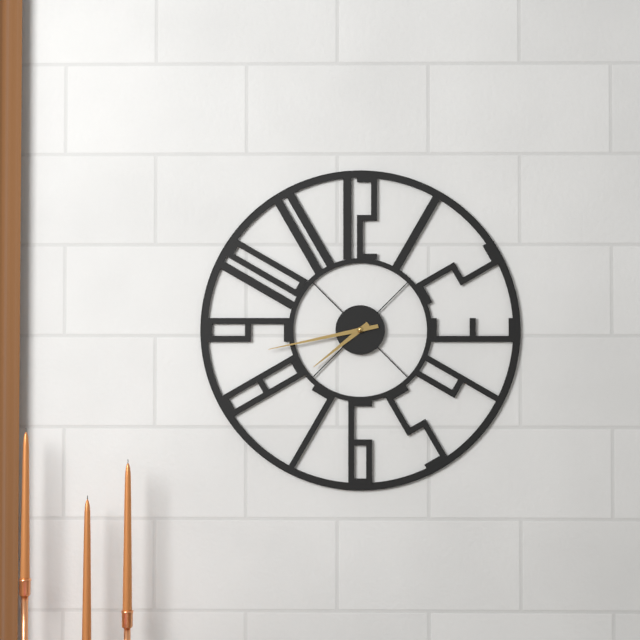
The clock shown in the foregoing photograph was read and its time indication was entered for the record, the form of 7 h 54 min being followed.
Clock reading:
7 h 43 min
